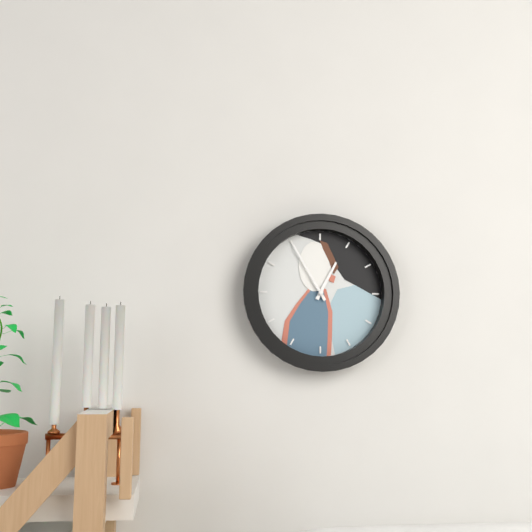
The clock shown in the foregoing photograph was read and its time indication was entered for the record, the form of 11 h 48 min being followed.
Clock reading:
12 h 55 min
